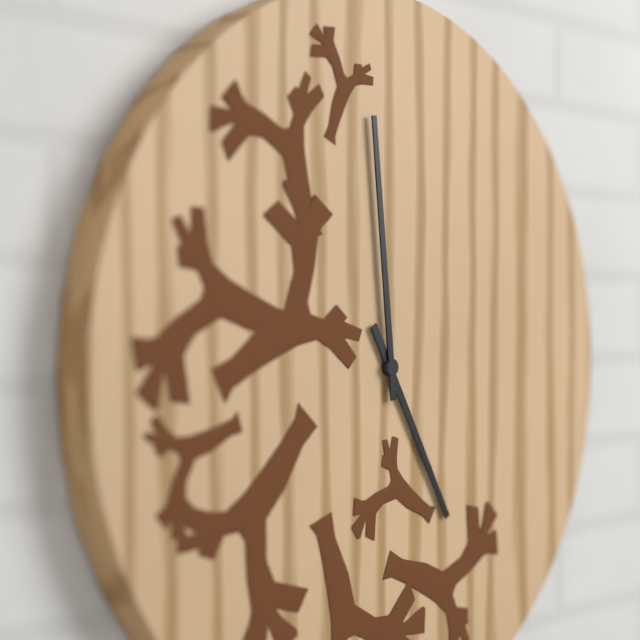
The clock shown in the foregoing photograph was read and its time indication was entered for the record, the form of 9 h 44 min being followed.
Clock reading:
4 h 59 min
